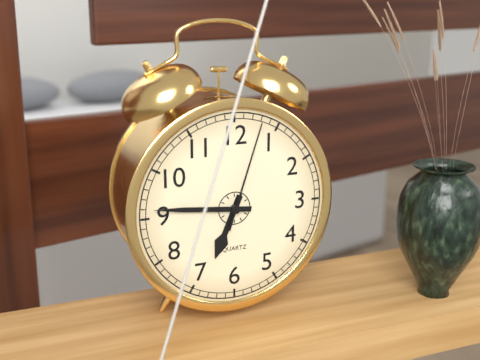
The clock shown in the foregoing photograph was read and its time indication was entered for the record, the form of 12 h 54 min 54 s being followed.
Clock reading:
6 h 46 min 03 s
